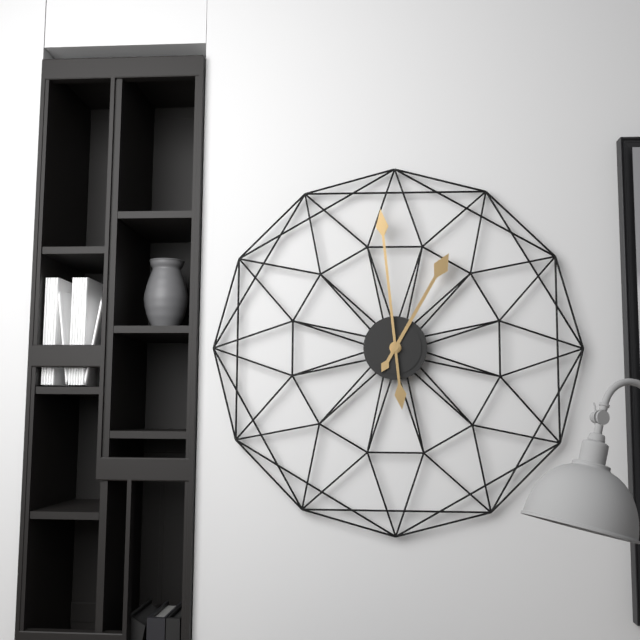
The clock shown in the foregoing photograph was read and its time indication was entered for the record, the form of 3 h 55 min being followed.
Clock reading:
12 h 59 min
